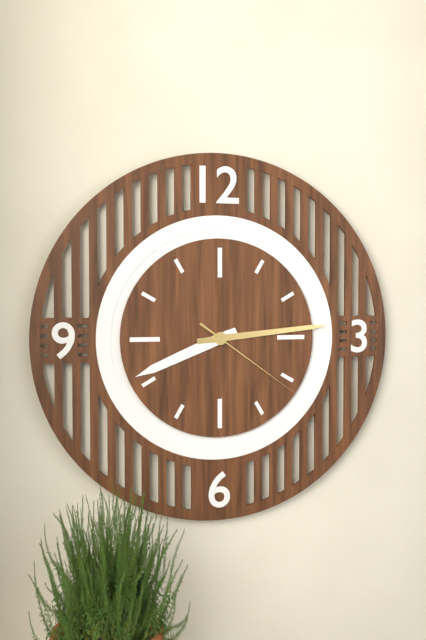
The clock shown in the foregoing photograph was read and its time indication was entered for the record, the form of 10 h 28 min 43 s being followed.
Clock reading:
8 h 14 min 21 s
